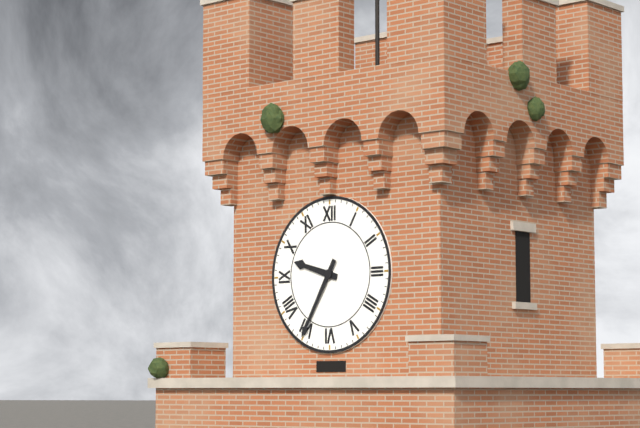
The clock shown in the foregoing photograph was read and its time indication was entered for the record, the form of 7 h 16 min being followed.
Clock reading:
9 h 35 min
